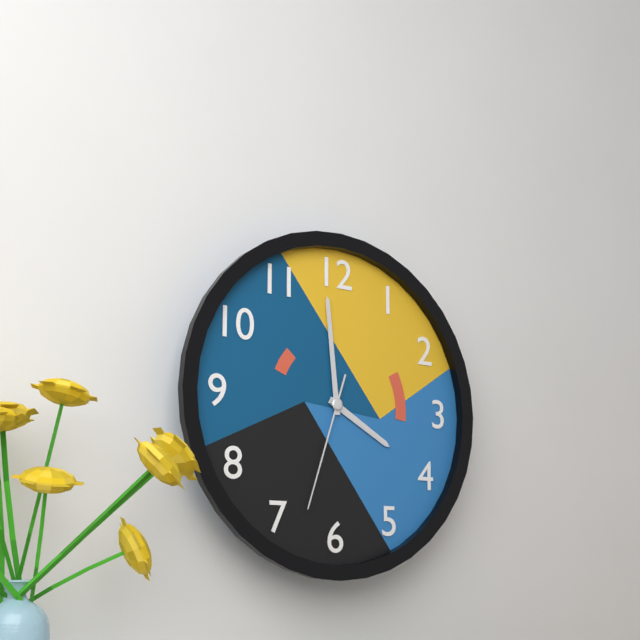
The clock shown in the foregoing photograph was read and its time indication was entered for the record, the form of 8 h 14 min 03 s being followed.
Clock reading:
3 h 59 min 33 s
